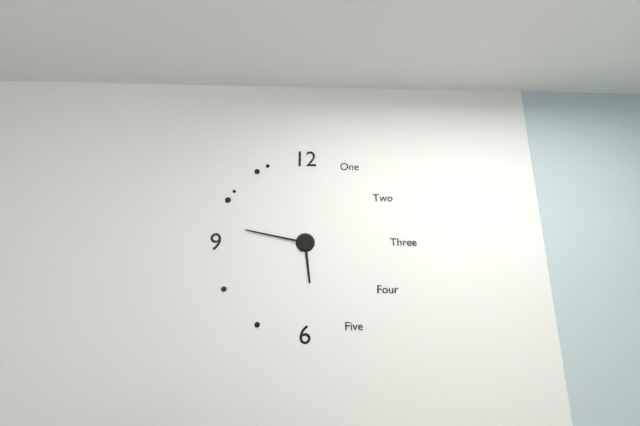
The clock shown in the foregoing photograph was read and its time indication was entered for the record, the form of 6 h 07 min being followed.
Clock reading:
5 h 47 min
